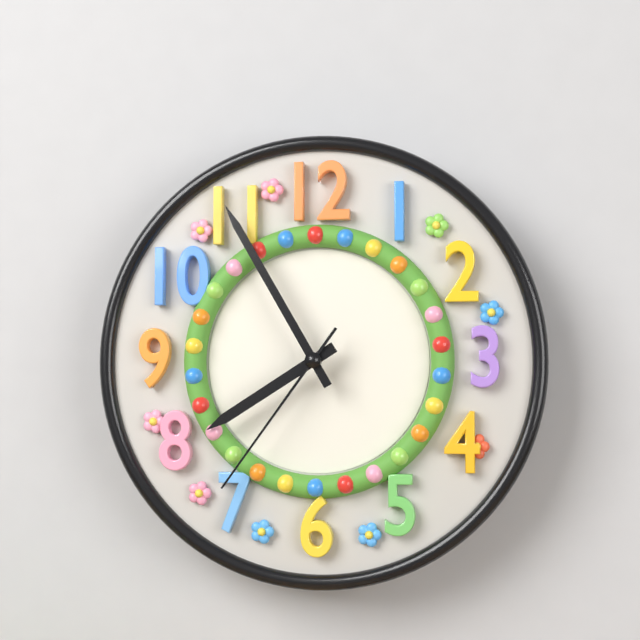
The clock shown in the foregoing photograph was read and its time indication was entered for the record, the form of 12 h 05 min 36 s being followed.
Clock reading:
7 h 55 min 36 s
